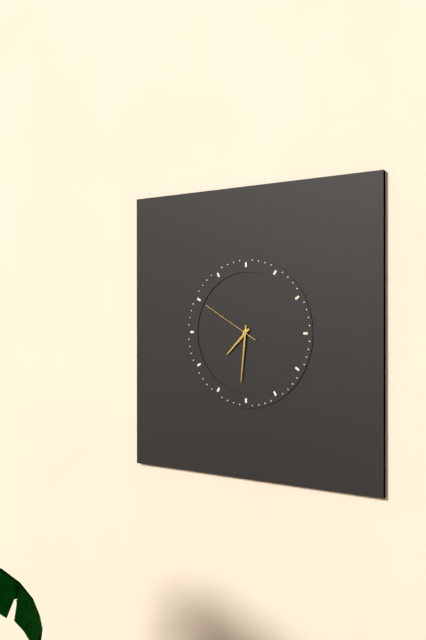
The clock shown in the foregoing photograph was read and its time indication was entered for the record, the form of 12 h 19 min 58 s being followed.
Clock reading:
7 h 31 min 50 s
